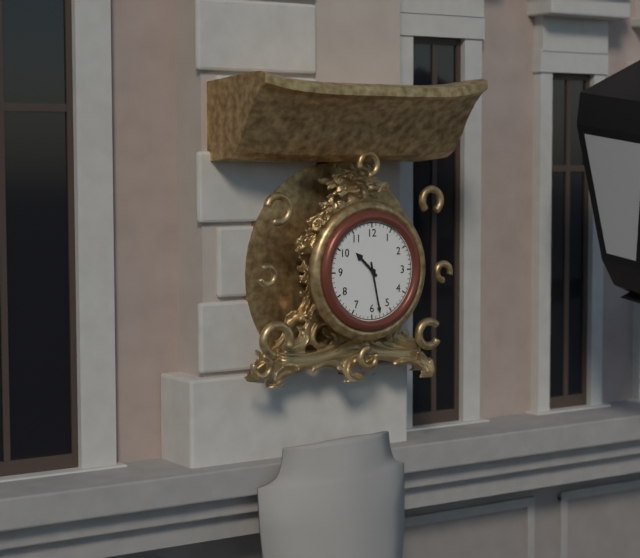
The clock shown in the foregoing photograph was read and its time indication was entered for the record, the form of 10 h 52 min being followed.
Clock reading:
10 h 28 min
